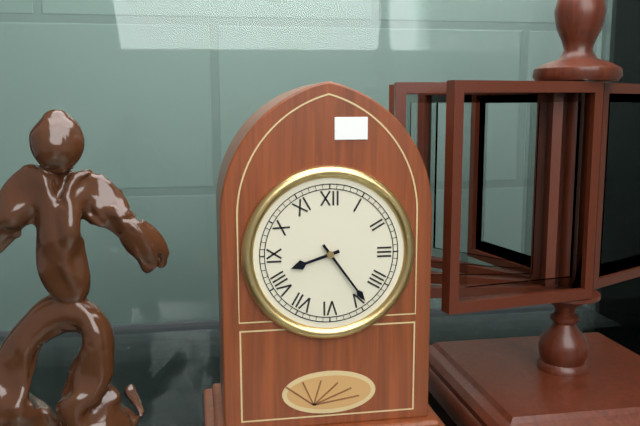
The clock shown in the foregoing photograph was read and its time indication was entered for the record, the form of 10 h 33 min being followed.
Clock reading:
8 h 24 min
